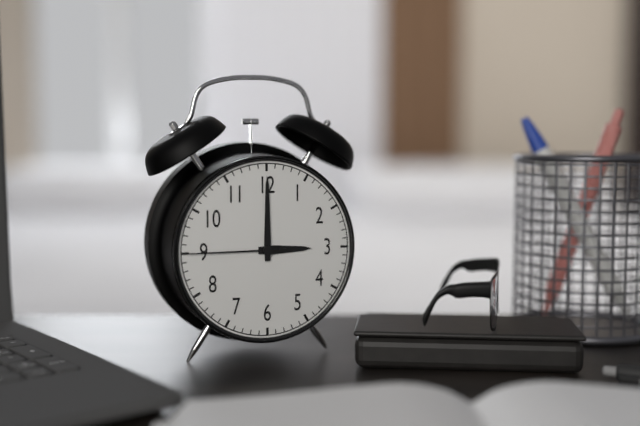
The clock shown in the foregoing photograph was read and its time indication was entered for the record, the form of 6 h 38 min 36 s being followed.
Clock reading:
3 h 00 min 45 s
